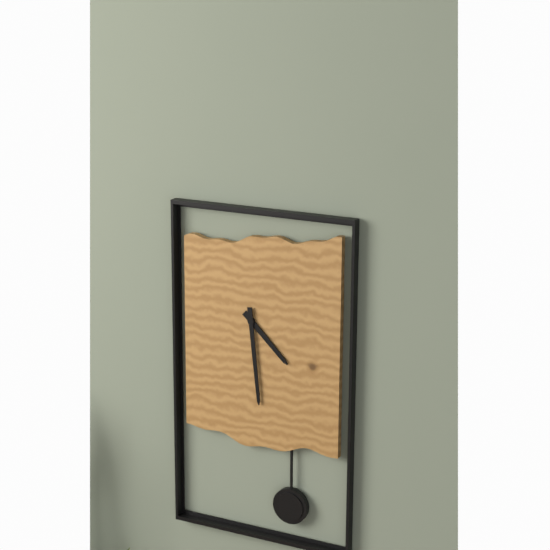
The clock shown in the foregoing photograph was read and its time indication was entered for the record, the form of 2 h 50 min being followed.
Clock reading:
4 h 29 min
